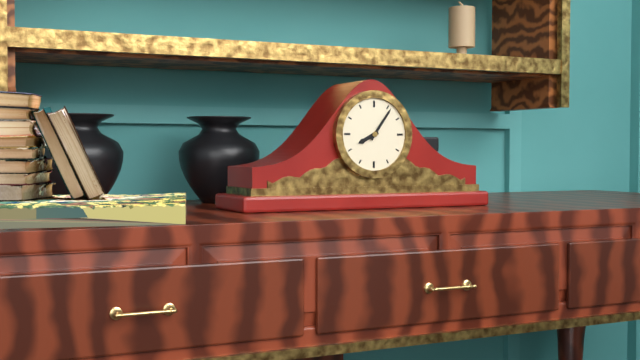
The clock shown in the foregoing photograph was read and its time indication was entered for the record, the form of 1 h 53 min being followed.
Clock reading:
8 h 06 min
